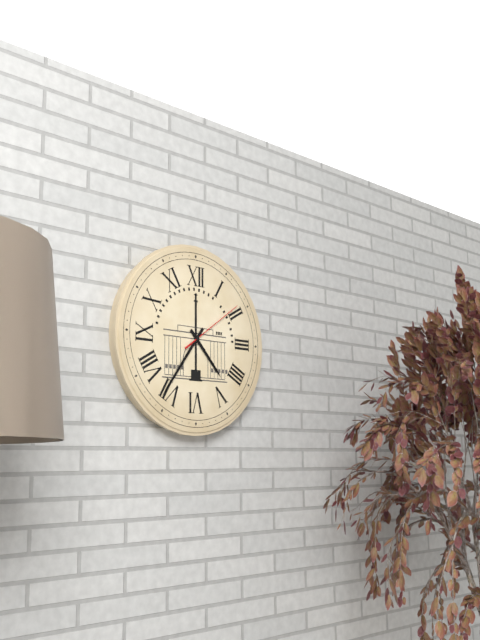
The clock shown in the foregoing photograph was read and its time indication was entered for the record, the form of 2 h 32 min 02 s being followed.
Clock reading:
4 h 36 min 09 s
